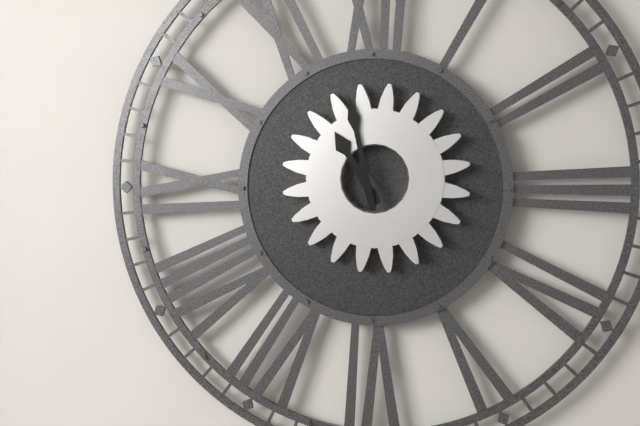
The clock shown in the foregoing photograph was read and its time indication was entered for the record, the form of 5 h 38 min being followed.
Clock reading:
10 h 58 min
